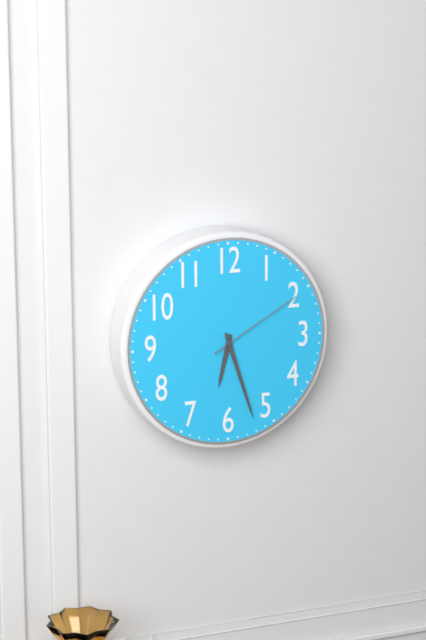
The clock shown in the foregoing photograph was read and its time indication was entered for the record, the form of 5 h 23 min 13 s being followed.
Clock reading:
6 h 27 min 10 s
